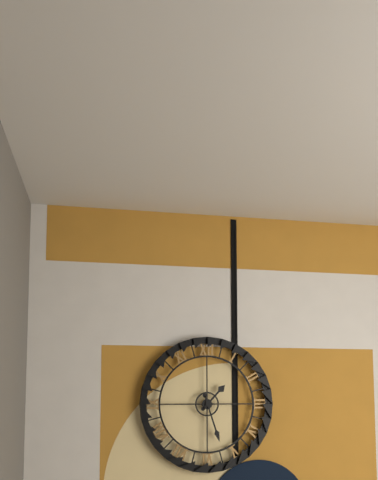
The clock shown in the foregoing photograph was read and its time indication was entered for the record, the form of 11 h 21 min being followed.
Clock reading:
1 h 27 min
